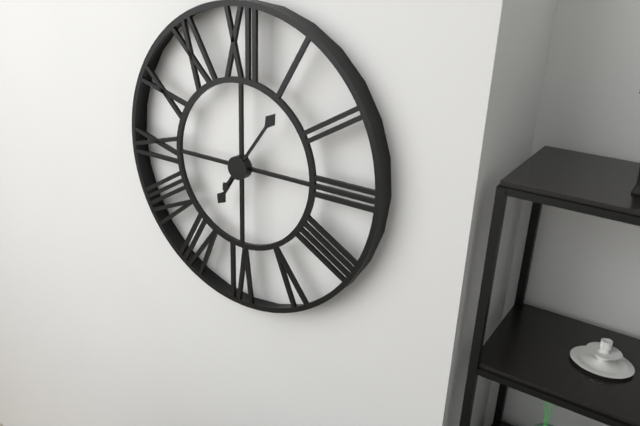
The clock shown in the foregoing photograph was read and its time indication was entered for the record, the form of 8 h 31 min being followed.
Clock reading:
7 h 06 min
